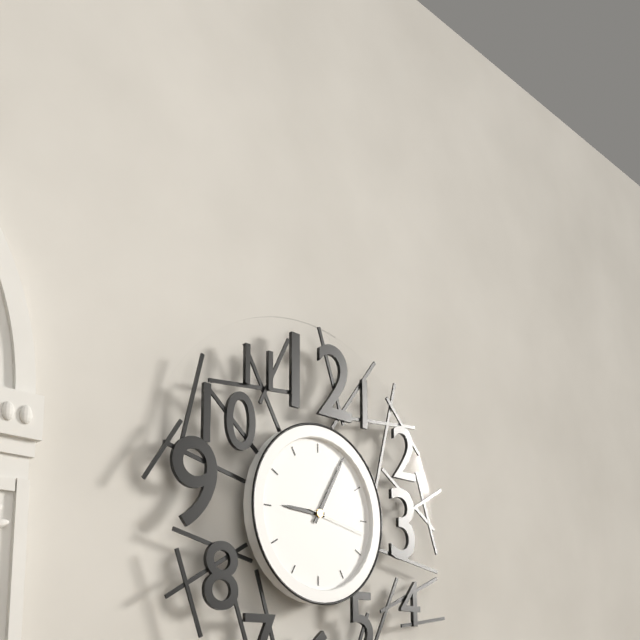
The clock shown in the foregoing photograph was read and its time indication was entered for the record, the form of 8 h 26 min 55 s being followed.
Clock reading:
9 h 05 min 17 s
